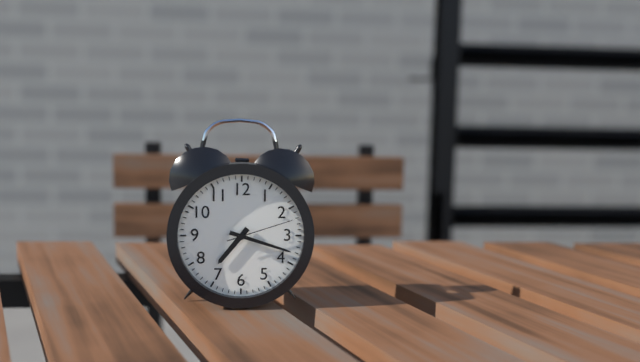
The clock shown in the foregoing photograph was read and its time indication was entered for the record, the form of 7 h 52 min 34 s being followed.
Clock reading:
7 h 18 min 12 s
